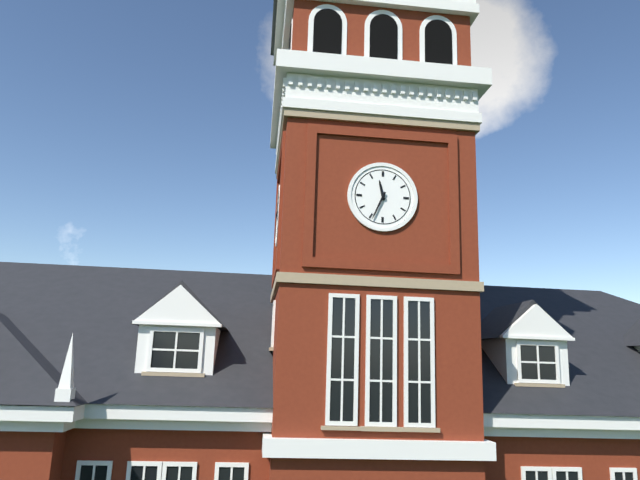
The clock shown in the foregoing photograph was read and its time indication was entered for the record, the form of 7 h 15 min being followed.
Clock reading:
11 h 34 min
